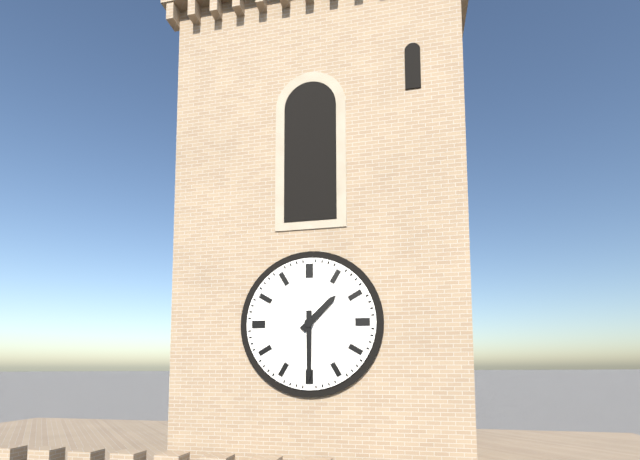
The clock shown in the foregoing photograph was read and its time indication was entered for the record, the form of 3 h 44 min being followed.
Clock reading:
1 h 30 min
